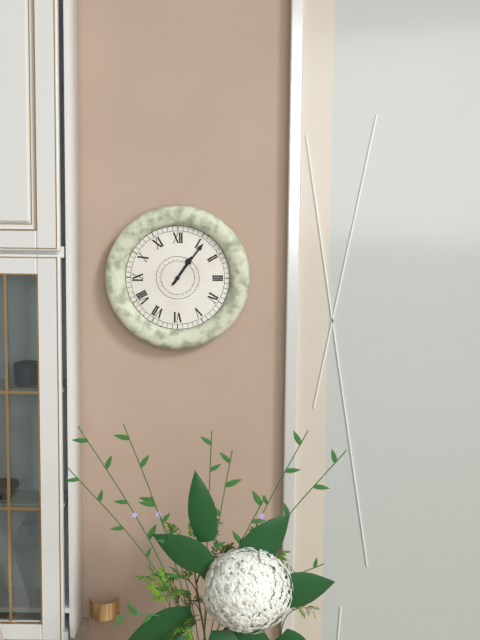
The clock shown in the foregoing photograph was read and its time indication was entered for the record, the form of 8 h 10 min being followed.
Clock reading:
1 h 06 min
